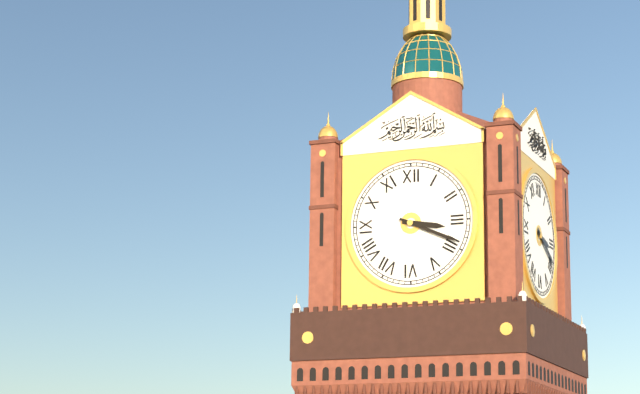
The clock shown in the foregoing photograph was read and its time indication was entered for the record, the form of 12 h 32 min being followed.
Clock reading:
3 h 19 min
